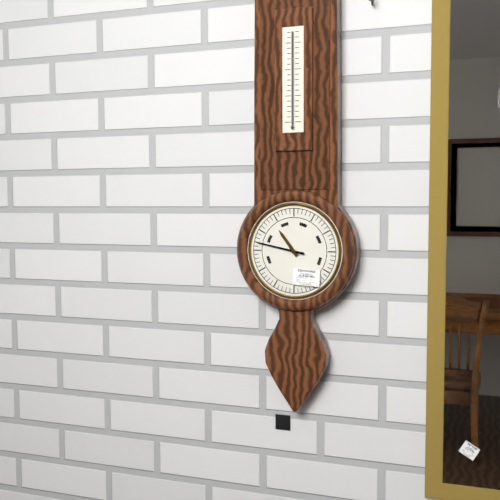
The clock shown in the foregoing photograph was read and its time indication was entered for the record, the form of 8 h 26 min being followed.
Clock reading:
10 h 47 min
